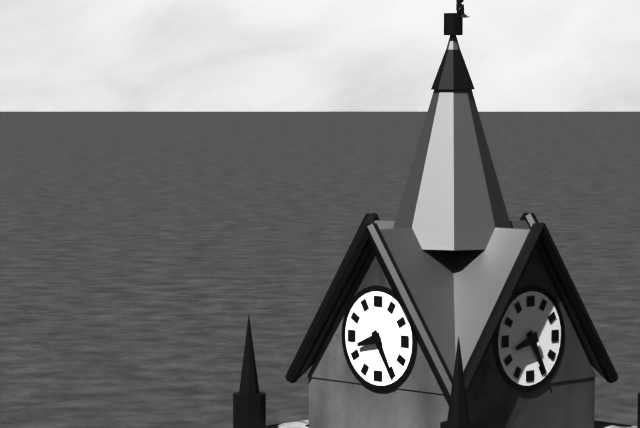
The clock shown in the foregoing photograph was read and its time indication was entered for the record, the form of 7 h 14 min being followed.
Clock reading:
8 h 25 min
